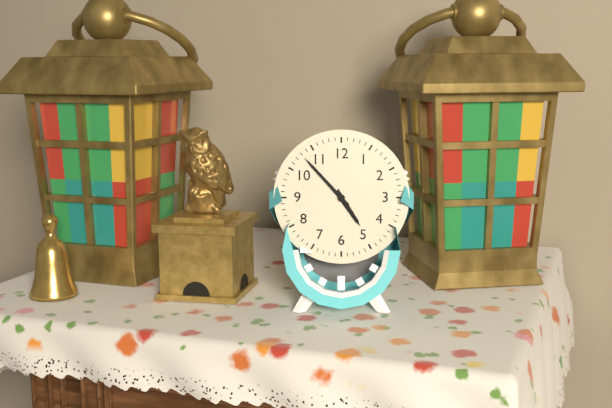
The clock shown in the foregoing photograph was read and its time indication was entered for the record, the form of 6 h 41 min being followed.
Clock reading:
4 h 53 min
